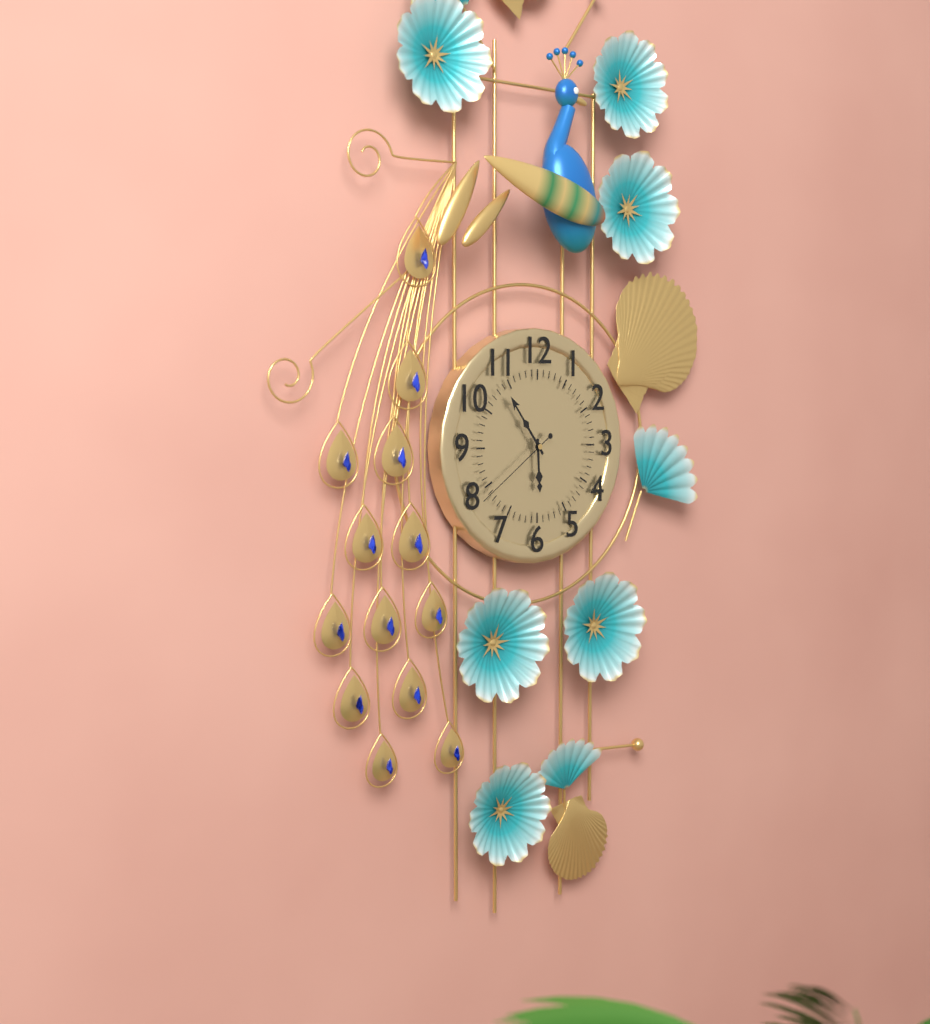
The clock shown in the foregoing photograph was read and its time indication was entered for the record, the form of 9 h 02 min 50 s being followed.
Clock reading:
5 h 54 min 39 s
